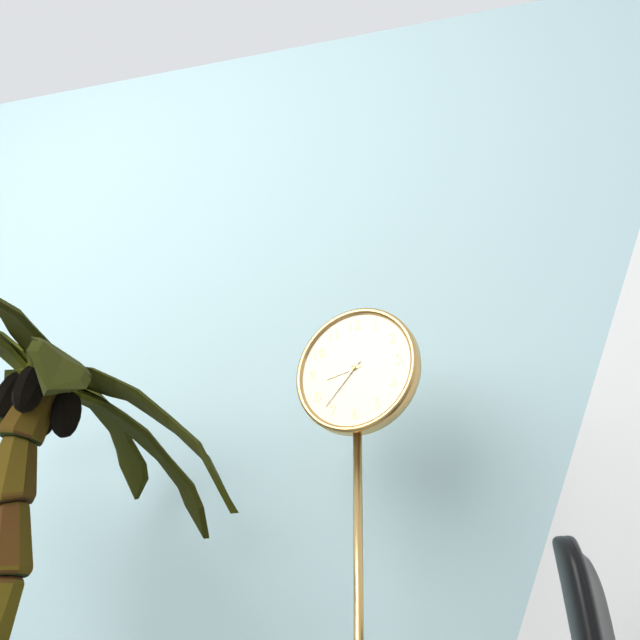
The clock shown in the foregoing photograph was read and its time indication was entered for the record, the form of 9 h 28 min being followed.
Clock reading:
8 h 37 min
